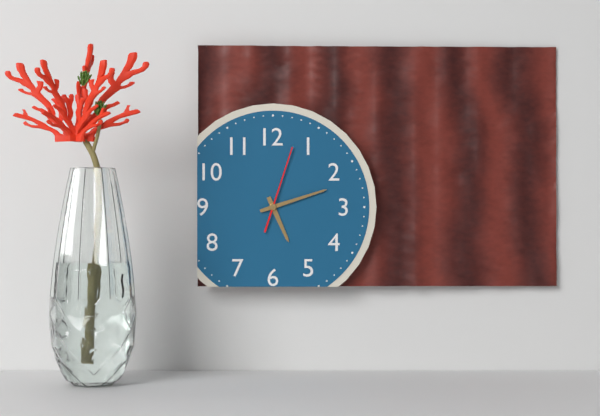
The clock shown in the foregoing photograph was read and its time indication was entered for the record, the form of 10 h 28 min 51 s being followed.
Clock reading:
5 h 12 min 03 s
